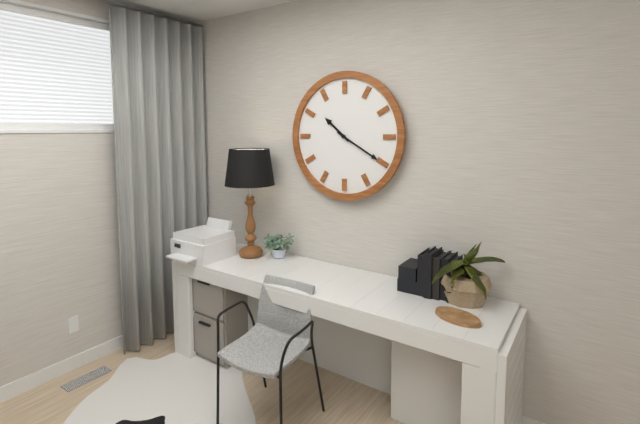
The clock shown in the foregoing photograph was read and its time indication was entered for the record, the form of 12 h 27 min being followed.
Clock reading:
10 h 20 min
